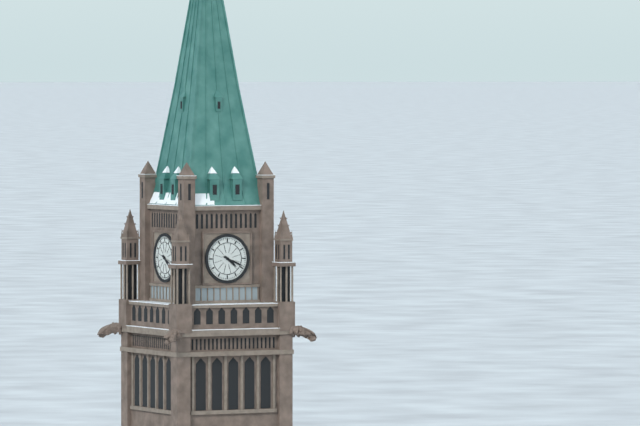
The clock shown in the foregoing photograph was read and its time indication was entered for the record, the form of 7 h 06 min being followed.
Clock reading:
4 h 19 min
